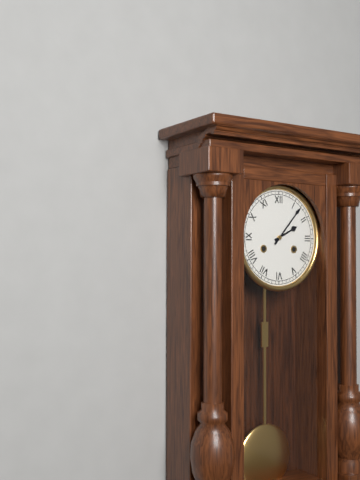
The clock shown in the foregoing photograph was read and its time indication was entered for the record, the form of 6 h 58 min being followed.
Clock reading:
2 h 07 min
